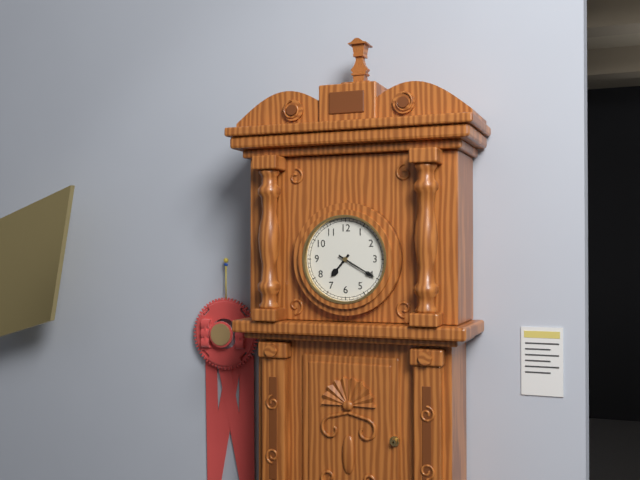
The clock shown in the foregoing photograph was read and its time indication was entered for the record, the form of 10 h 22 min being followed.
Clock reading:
7 h 20 min
